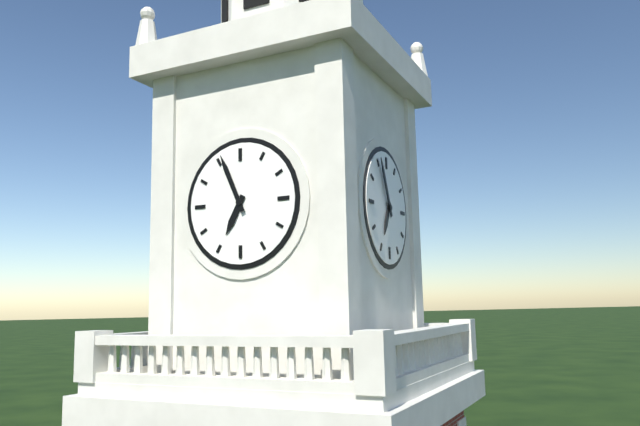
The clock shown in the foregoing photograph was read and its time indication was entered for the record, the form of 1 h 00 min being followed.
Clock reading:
6 h 56 min
